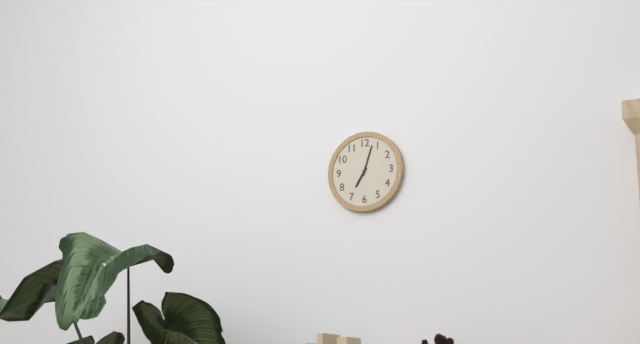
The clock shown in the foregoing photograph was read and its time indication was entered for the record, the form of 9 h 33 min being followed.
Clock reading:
7 h 03 min
